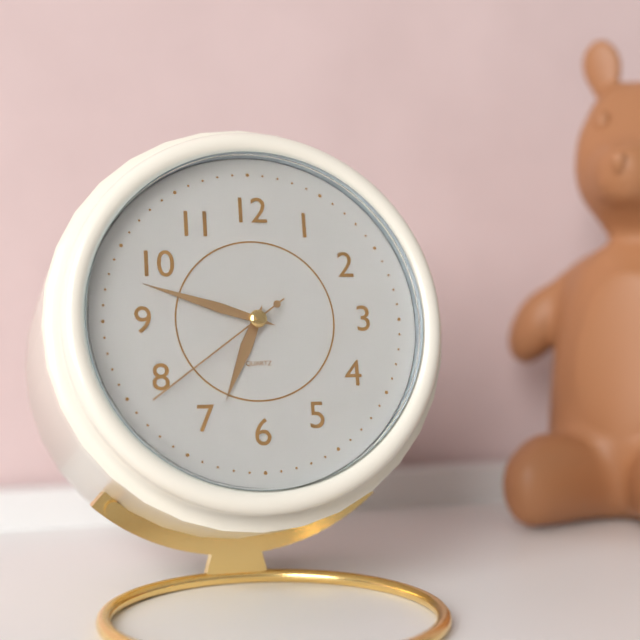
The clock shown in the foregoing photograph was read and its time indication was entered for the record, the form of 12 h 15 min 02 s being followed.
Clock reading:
6 h 48 min 39 s
